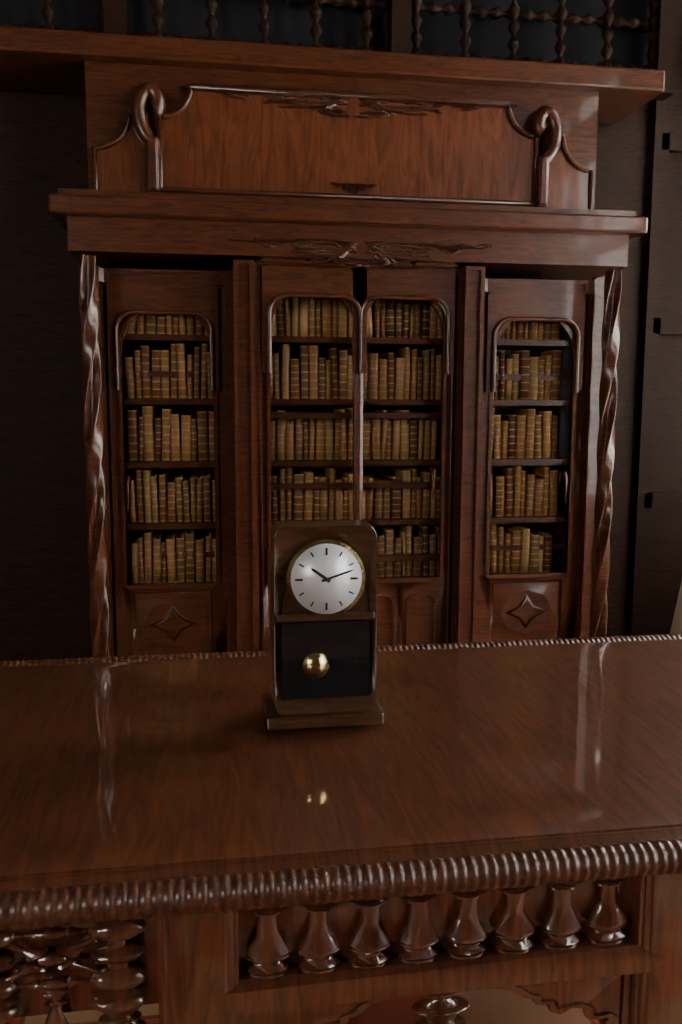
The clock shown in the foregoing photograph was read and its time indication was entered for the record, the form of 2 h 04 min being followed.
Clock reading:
10 h 12 min
